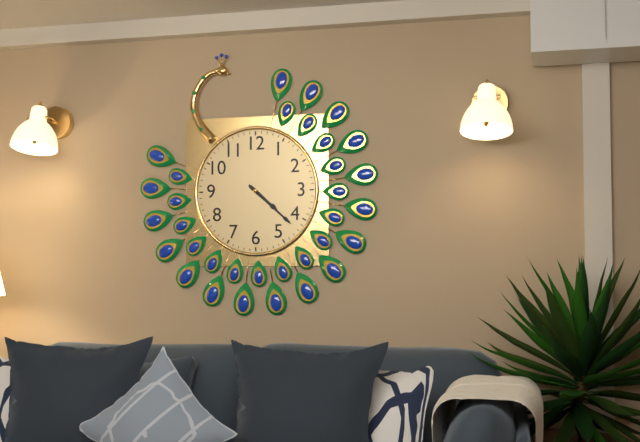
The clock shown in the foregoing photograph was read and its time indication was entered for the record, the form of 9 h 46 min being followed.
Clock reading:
4 h 22 min
